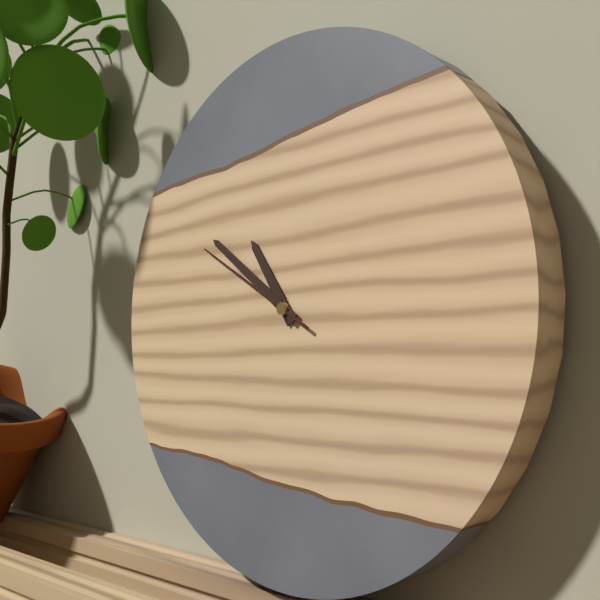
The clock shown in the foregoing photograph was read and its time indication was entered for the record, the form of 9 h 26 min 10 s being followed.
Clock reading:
10 h 51 min 50 s
